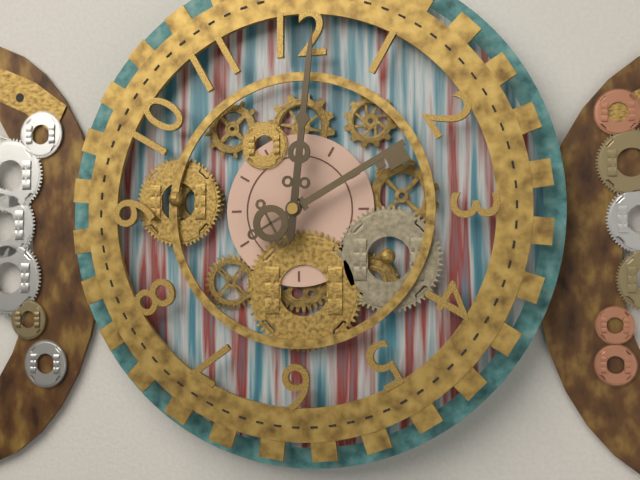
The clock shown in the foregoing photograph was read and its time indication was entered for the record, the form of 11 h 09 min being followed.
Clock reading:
2 h 01 min
